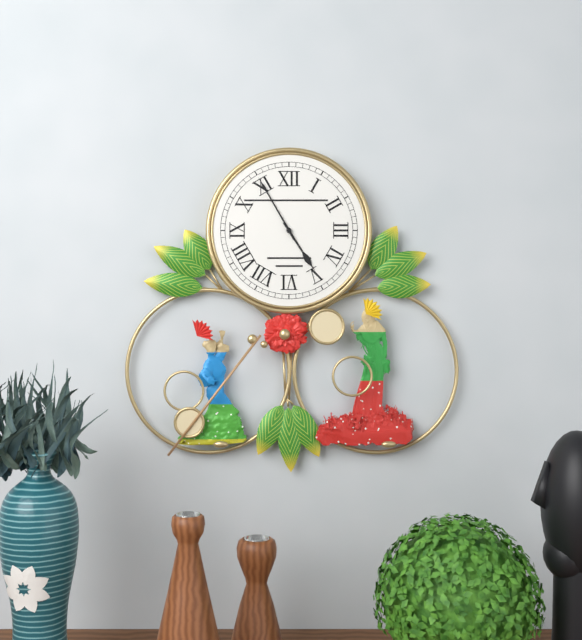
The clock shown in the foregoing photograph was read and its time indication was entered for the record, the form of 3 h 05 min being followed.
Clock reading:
4 h 55 min
